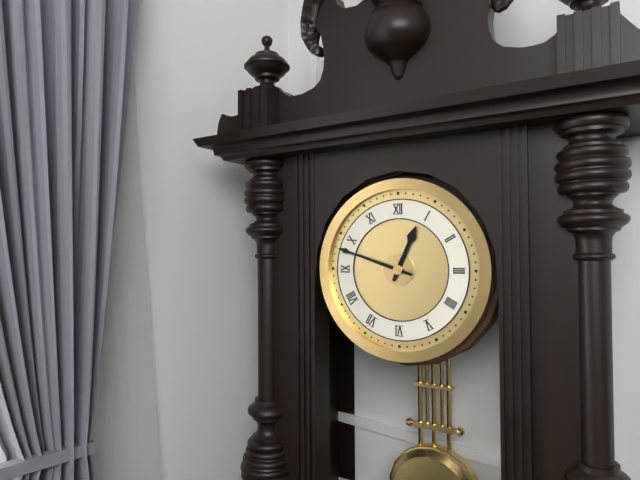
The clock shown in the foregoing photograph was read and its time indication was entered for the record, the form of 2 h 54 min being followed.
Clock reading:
12 h 48 min
